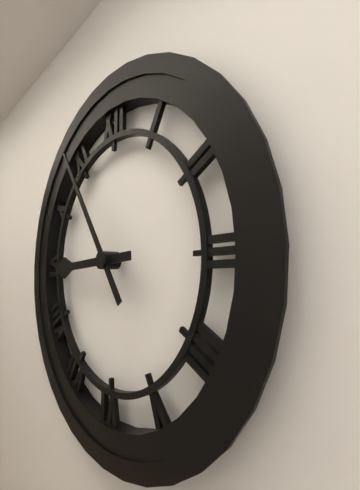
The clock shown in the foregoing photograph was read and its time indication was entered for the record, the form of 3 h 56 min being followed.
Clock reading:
8 h 54 min
